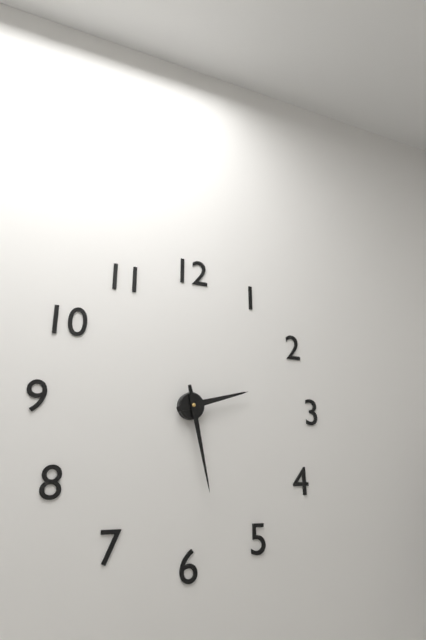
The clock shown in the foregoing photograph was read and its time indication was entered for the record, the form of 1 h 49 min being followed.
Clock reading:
2 h 28 min
